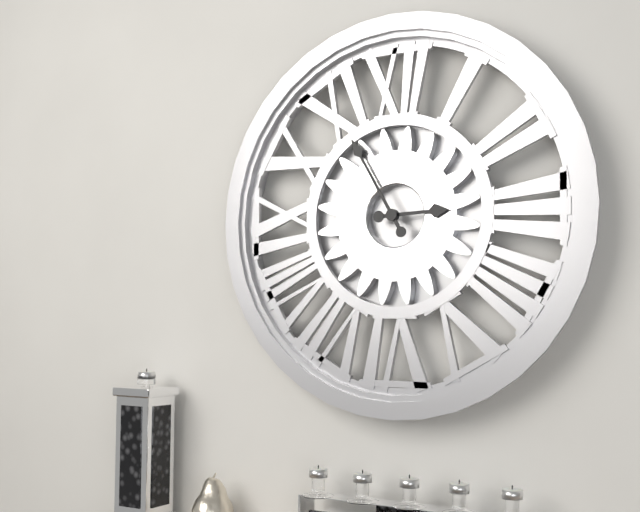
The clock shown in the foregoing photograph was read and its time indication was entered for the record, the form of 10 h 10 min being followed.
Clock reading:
2 h 55 min
